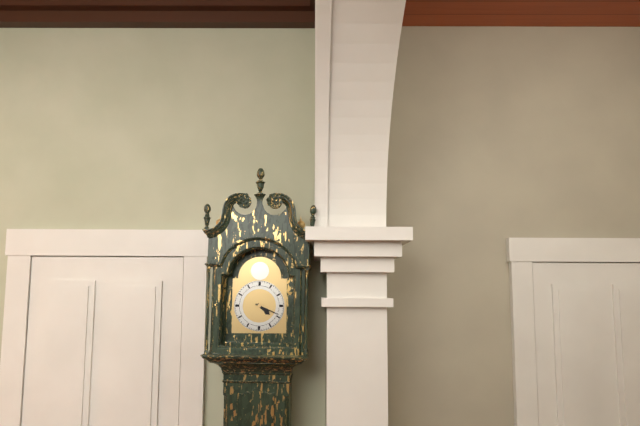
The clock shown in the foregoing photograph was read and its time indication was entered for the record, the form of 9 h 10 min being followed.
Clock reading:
4 h 19 min
